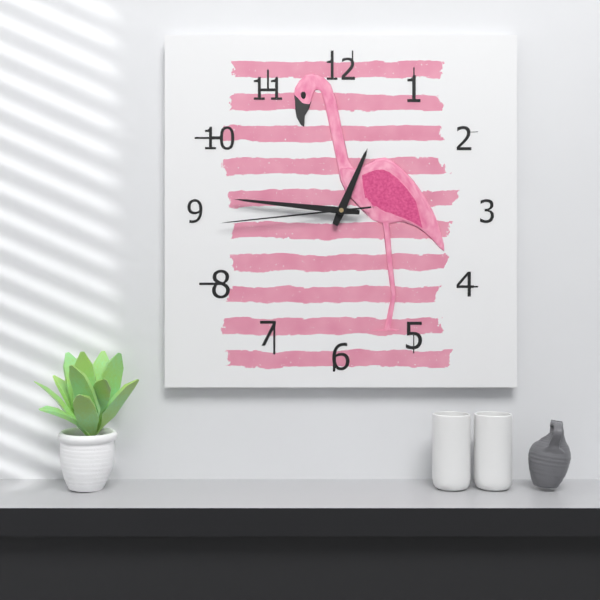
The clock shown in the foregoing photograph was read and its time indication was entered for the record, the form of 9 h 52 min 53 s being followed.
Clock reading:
12 h 46 min 44 s
